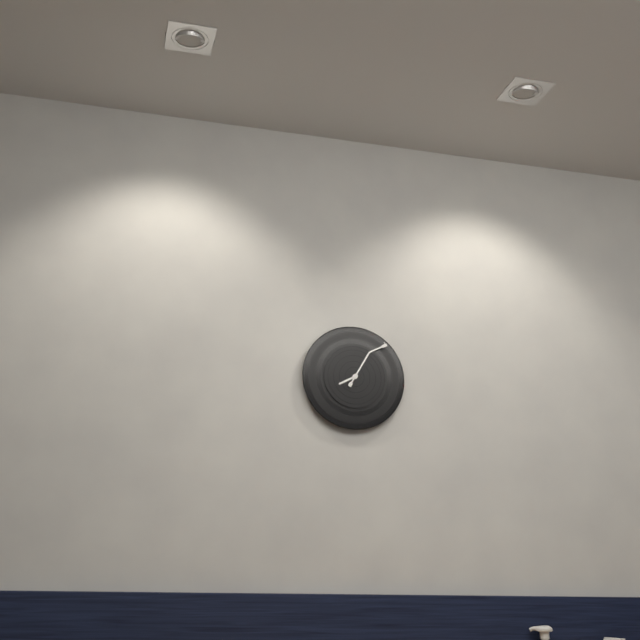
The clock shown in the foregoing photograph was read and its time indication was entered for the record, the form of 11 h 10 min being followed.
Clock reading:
8 h 05 min
